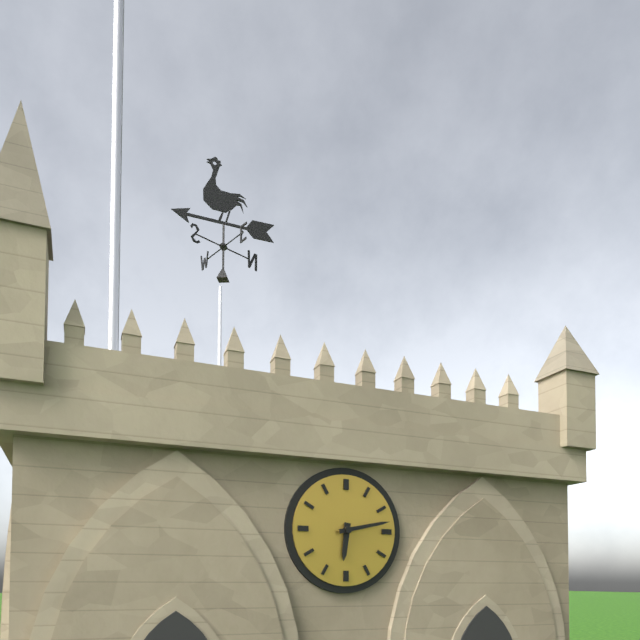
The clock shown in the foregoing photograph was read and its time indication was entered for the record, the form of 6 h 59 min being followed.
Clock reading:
6 h 13 min
